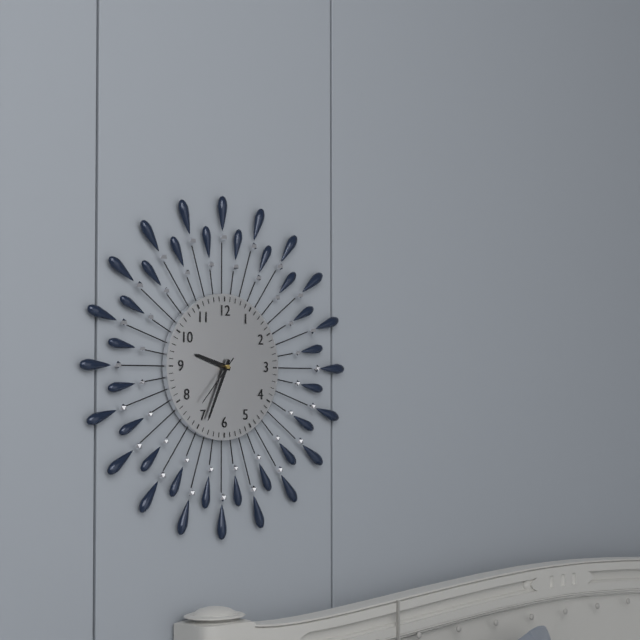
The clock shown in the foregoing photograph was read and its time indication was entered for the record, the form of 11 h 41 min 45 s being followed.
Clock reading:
9 h 34 min 37 s
